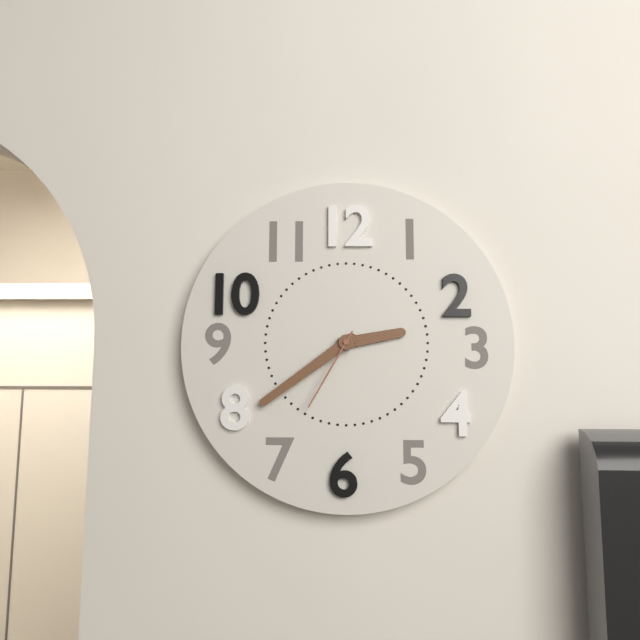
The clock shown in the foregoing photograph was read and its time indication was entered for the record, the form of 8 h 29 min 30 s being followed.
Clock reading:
2 h 39 min 35 s
